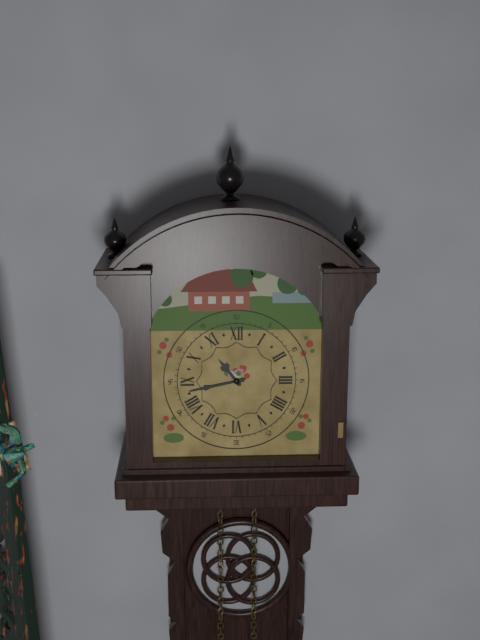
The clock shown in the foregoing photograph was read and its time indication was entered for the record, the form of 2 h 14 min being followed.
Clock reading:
10 h 43 min
